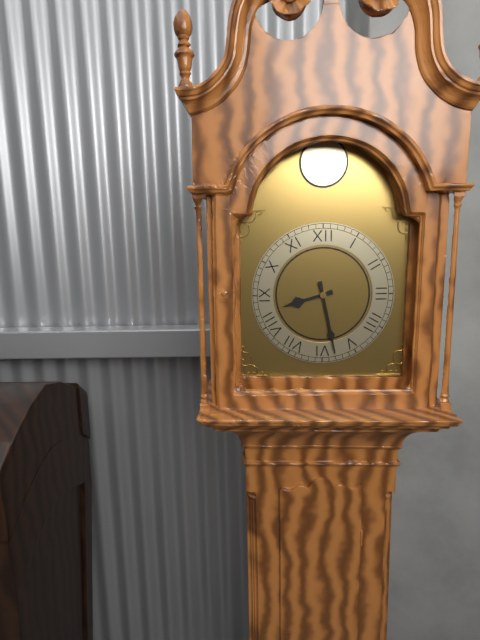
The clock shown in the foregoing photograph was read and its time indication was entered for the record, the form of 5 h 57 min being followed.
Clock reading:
8 h 28 min
